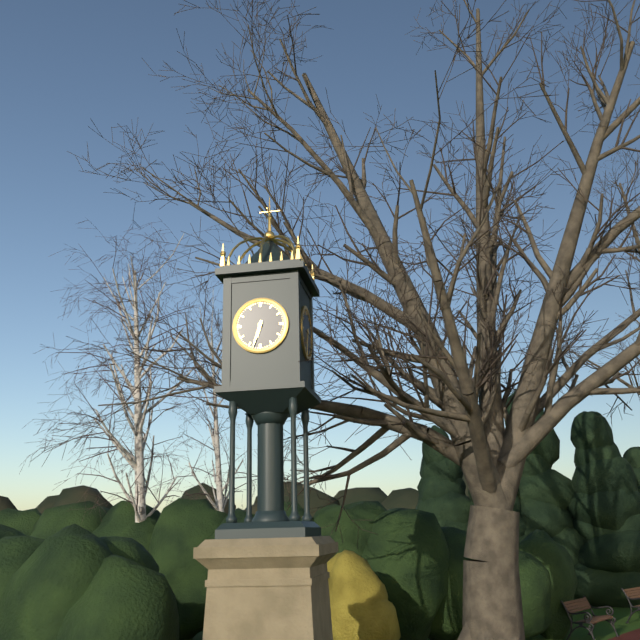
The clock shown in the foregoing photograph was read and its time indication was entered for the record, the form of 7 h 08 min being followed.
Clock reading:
6 h 33 min
